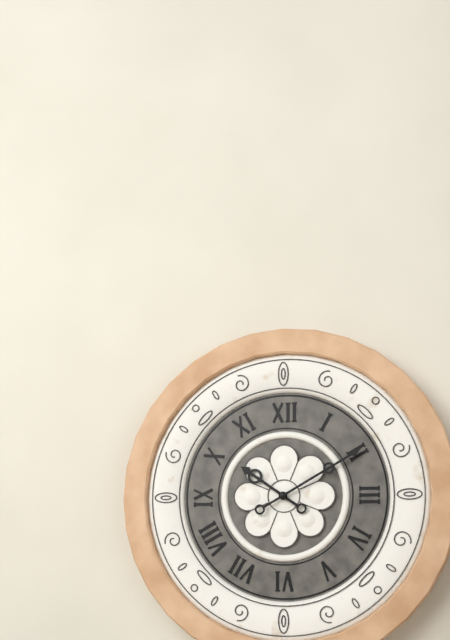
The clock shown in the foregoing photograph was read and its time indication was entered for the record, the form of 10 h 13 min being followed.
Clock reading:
10 h 10 min
